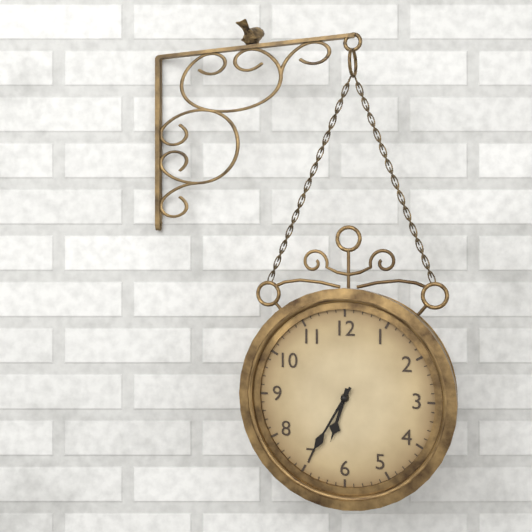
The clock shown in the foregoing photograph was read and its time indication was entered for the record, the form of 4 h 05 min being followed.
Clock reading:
6 h 35 min
